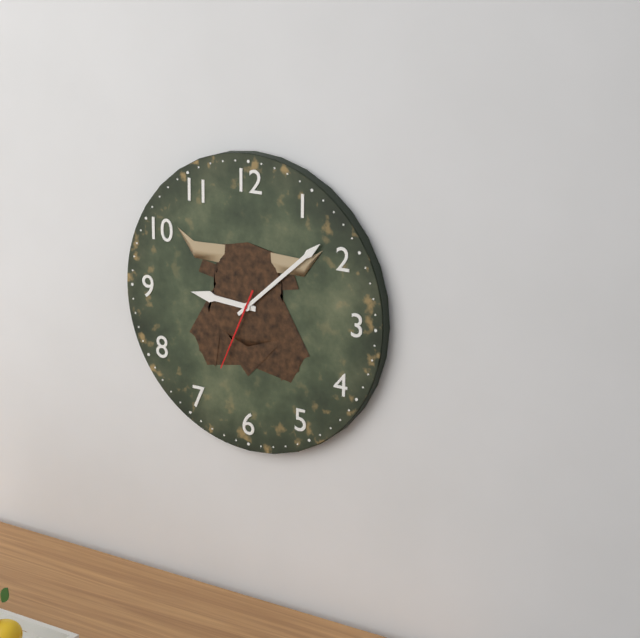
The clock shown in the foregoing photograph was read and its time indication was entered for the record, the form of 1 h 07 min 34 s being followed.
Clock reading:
9 h 08 min 34 s
